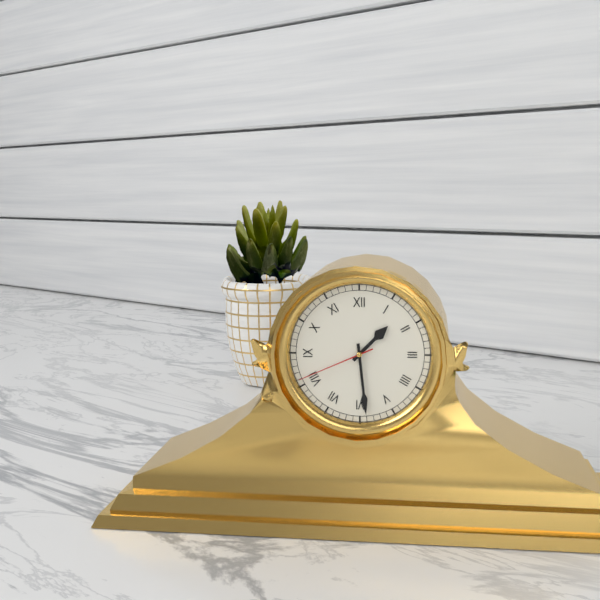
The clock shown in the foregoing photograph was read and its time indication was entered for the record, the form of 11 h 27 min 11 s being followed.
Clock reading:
1 h 29 min 41 s
